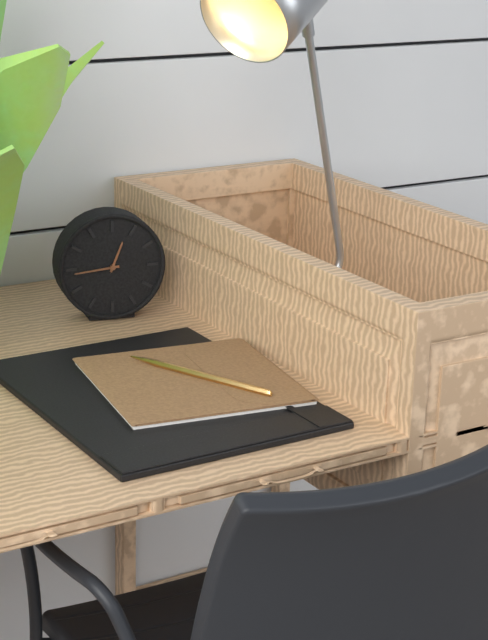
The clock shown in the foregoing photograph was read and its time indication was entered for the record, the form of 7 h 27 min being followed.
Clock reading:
12 h 44 min
